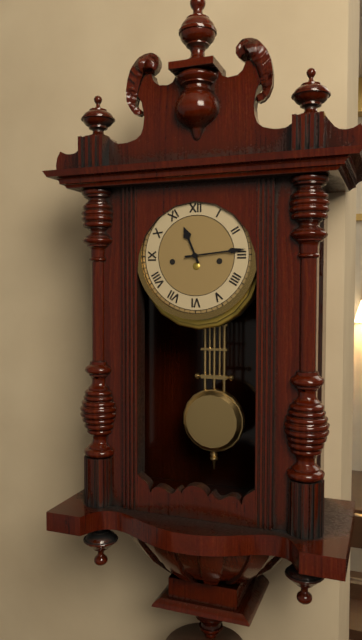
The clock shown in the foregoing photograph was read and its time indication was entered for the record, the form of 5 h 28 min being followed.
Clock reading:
11 h 14 min
